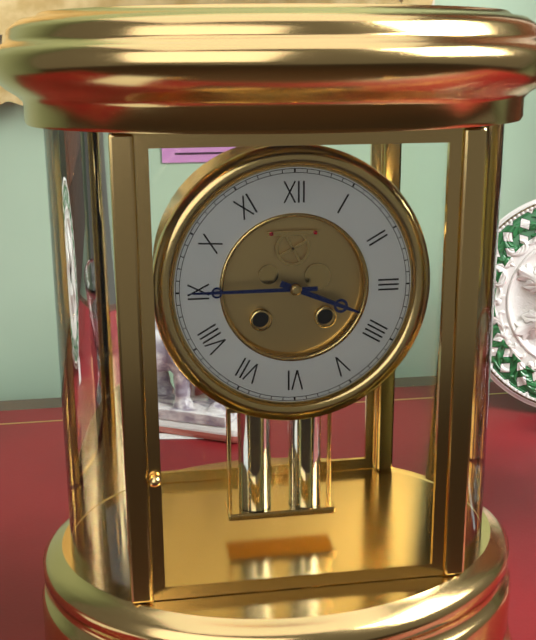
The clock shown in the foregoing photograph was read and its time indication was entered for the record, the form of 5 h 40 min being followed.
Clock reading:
3 h 45 min
